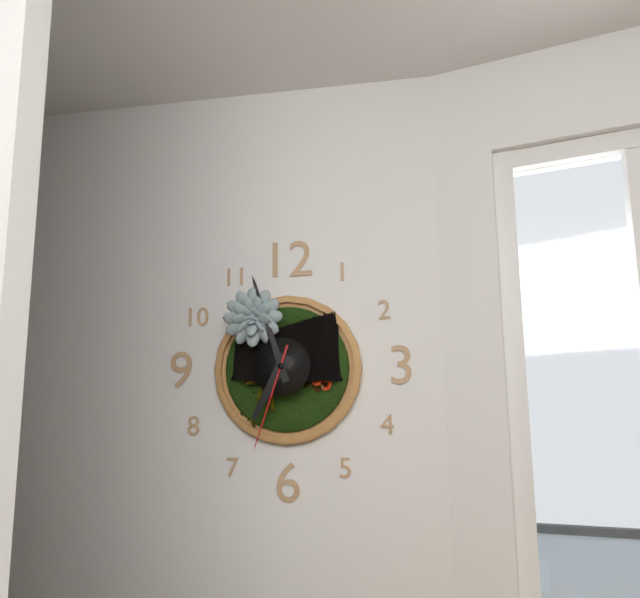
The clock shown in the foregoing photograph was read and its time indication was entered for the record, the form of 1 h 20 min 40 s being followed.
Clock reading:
6 h 57 min 33 s
